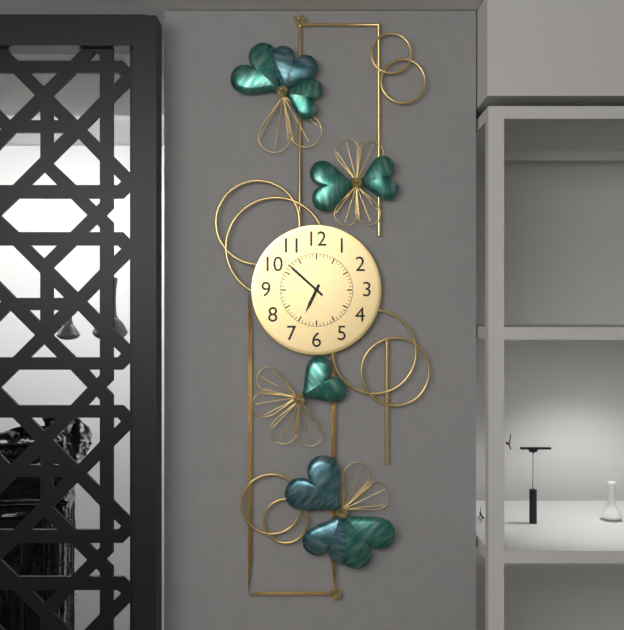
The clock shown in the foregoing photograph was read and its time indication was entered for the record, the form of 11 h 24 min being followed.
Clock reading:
6 h 52 min
